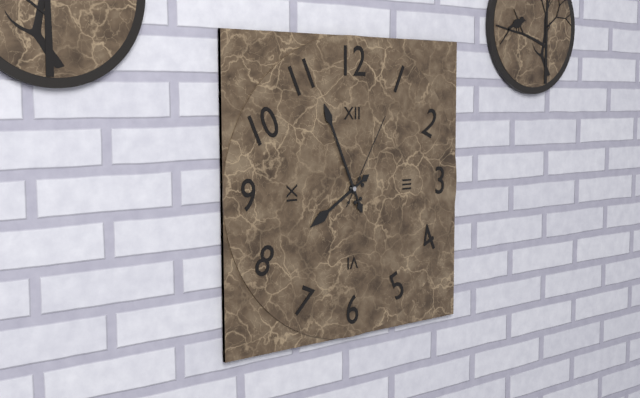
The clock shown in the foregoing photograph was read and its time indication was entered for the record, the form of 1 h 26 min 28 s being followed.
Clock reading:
7 h 56 min 05 s
